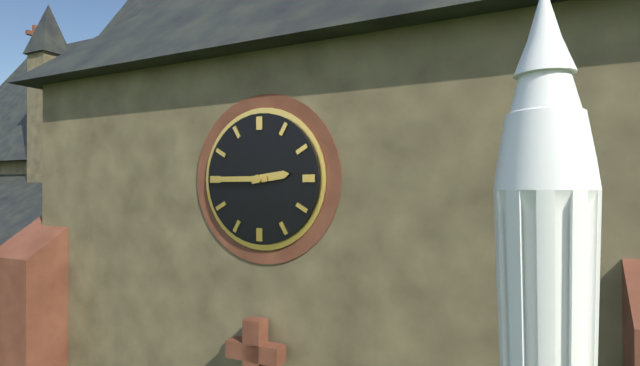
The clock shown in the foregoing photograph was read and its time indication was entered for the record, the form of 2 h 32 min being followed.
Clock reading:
2 h 45 min
